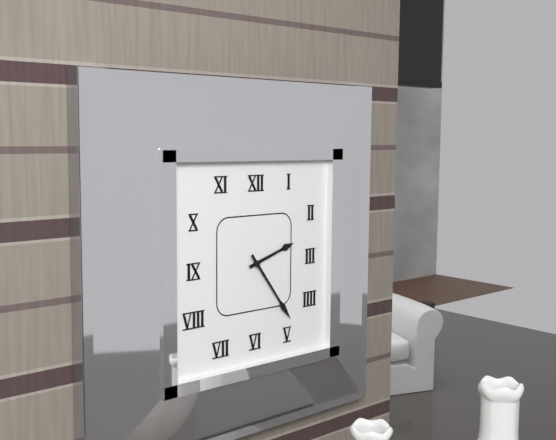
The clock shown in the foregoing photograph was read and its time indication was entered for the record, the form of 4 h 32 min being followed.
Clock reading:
2 h 24 min
